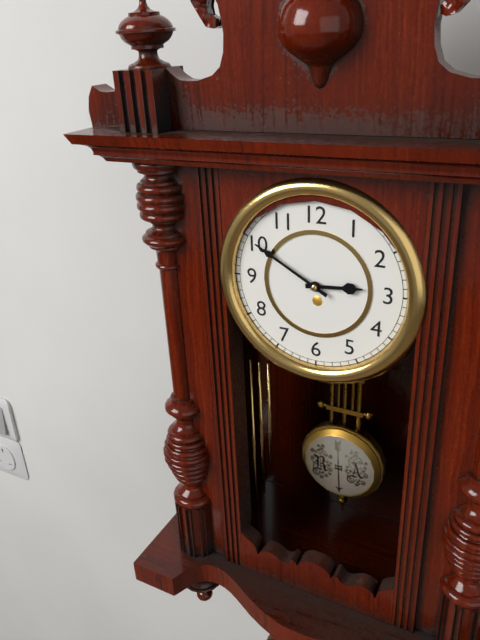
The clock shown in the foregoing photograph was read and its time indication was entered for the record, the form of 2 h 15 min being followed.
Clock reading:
2 h 50 min
